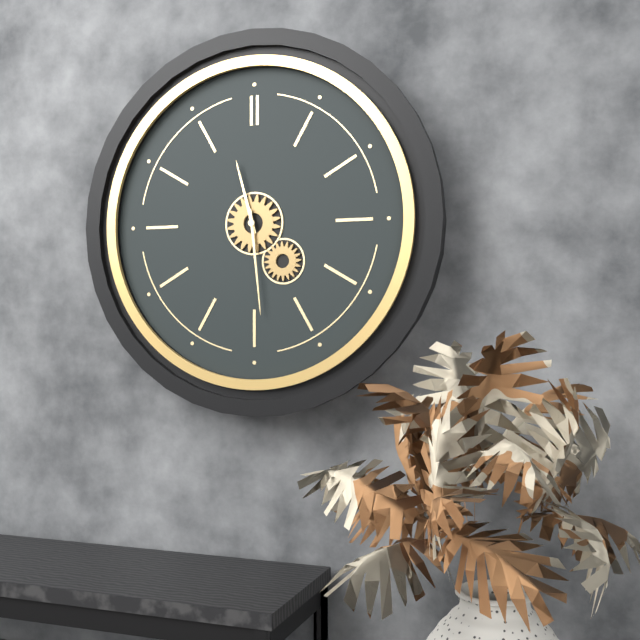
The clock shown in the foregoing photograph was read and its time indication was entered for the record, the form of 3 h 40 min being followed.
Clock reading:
11 h 29 min
